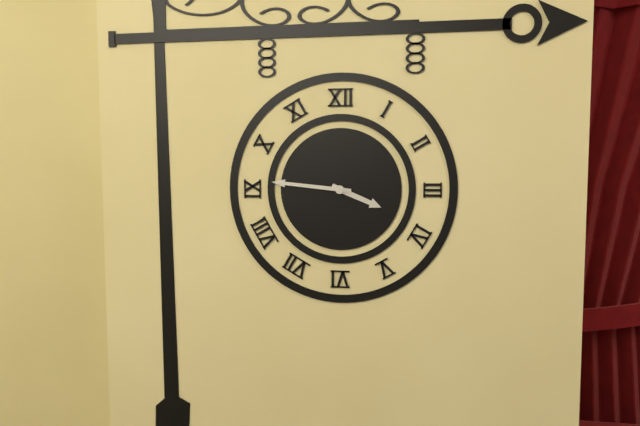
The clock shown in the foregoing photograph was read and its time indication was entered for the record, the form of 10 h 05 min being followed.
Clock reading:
3 h 46 min
